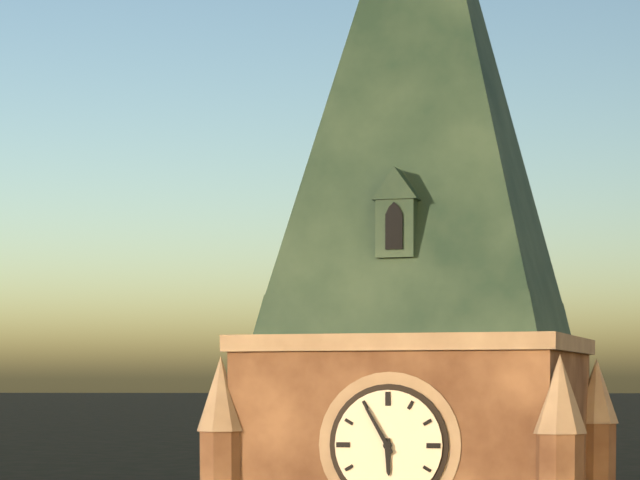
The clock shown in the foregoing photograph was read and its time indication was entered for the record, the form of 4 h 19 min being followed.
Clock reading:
5 h 55 min
